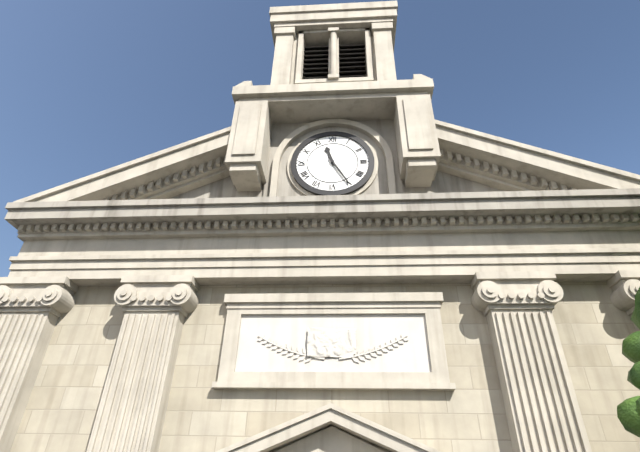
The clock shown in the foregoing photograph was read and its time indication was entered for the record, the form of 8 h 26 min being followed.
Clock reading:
11 h 25 min
